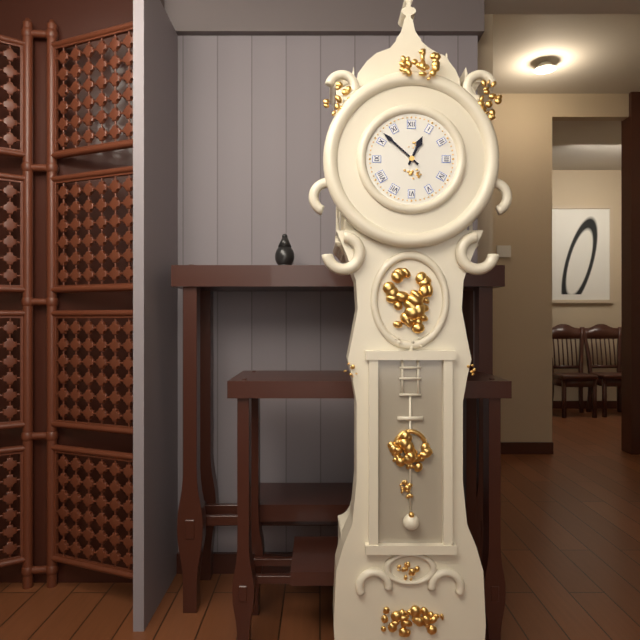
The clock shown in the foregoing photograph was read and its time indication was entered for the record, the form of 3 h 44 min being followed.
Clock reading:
12 h 52 min
